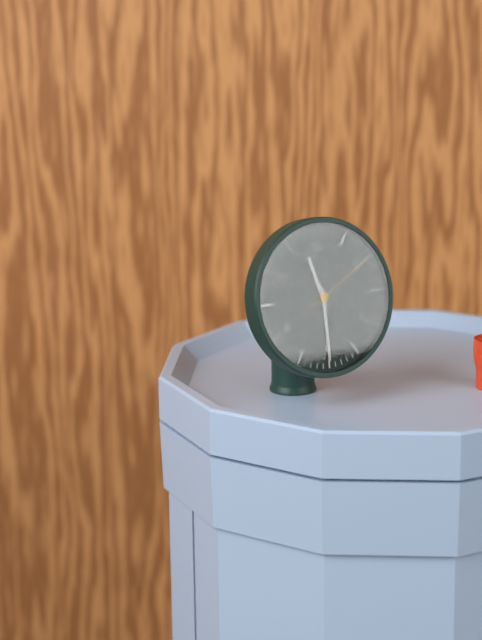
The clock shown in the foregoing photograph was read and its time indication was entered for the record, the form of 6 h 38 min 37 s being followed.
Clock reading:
11 h 30 min 10 s
